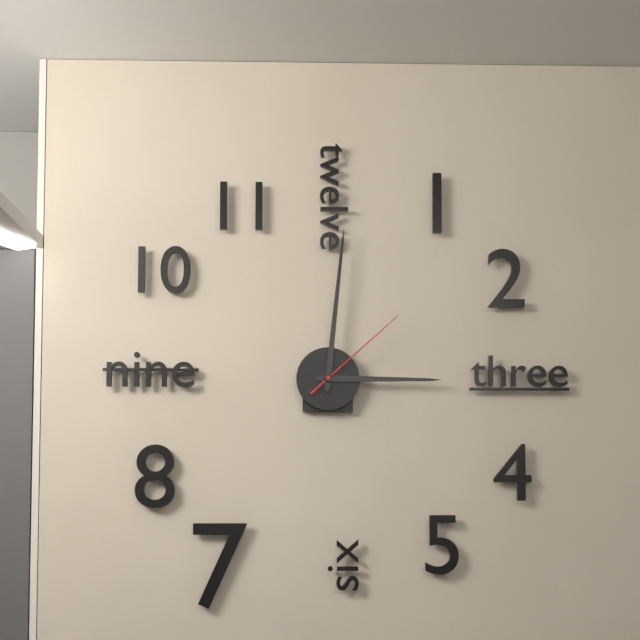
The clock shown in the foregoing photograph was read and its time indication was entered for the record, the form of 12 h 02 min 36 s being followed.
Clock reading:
3 h 01 min 08 s
